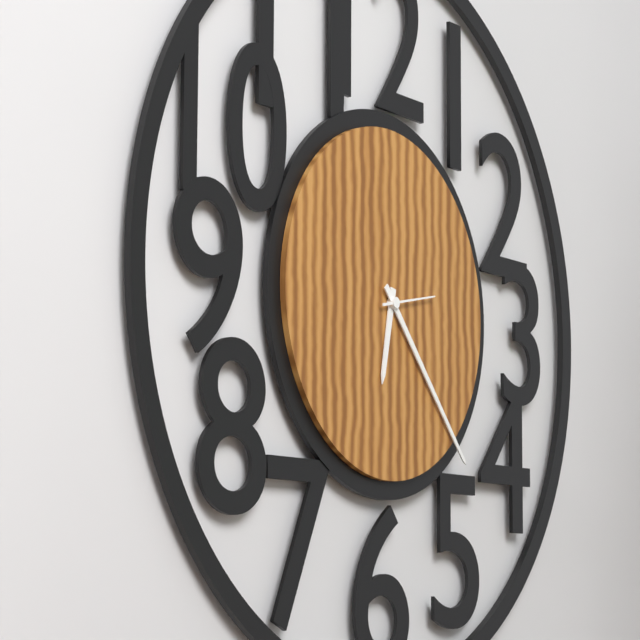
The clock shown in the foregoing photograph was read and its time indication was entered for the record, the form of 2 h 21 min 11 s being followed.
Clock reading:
6 h 23 min 13 s
